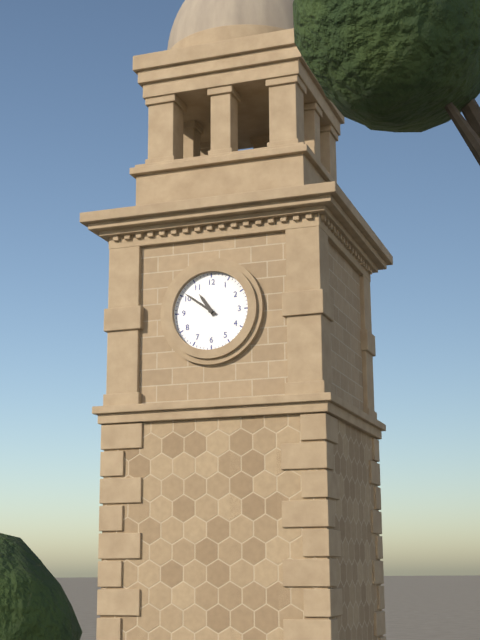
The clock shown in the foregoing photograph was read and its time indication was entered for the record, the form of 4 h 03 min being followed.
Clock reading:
10 h 51 min
